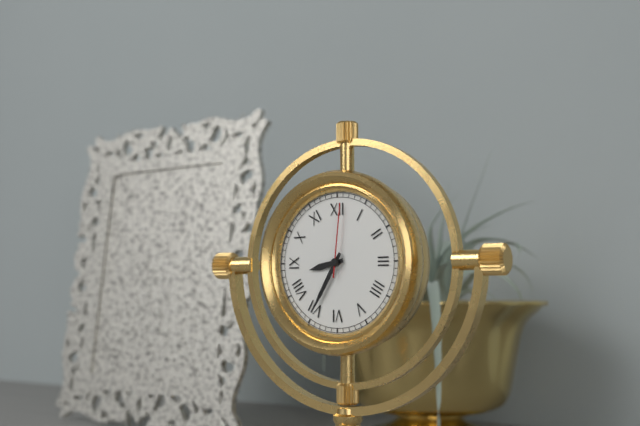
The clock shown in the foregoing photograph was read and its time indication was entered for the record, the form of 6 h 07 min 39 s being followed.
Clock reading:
8 h 35 min 01 s
